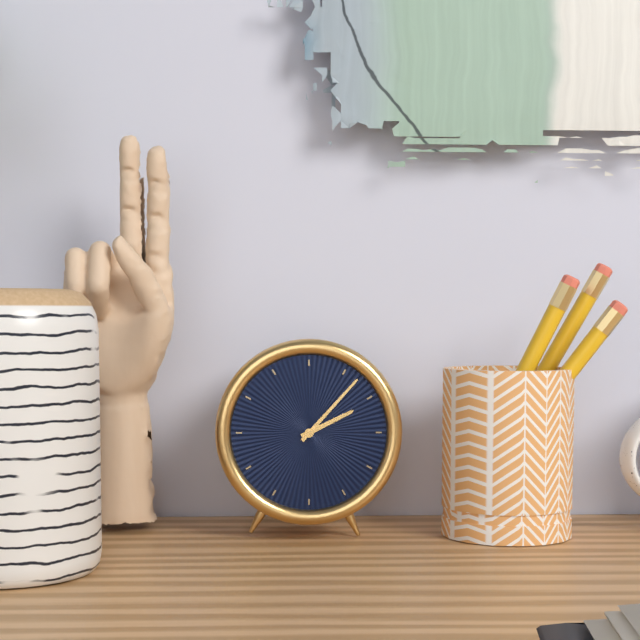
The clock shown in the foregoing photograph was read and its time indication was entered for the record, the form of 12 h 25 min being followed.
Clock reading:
2 h 07 min
